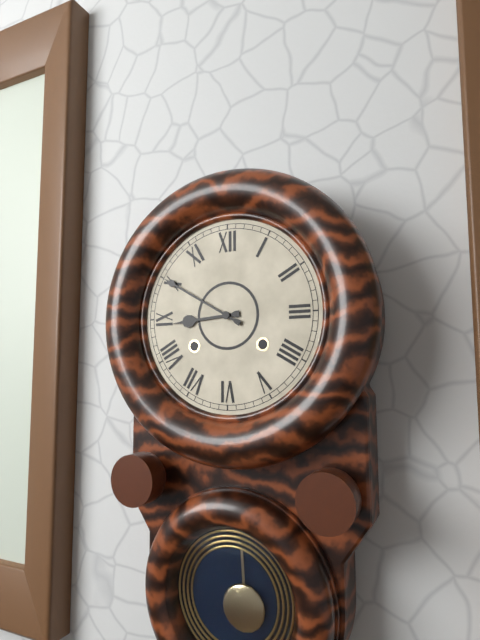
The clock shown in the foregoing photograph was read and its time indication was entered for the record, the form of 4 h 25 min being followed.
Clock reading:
8 h 50 min
